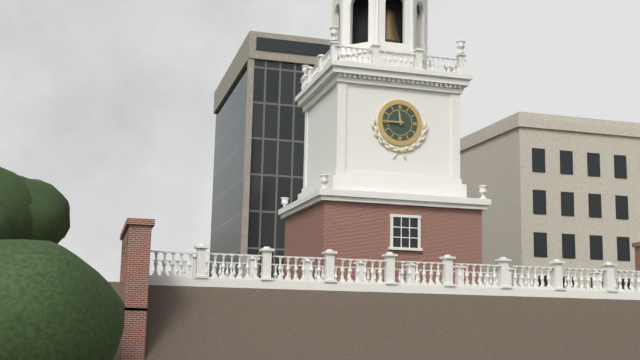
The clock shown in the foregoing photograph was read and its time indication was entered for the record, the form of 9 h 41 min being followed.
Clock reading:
11 h 45 min
